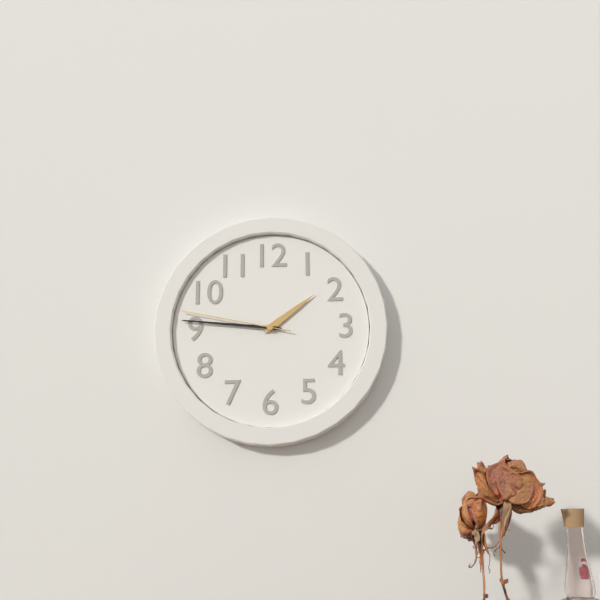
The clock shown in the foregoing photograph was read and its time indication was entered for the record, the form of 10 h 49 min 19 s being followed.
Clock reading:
1 h 46 min 47 s
